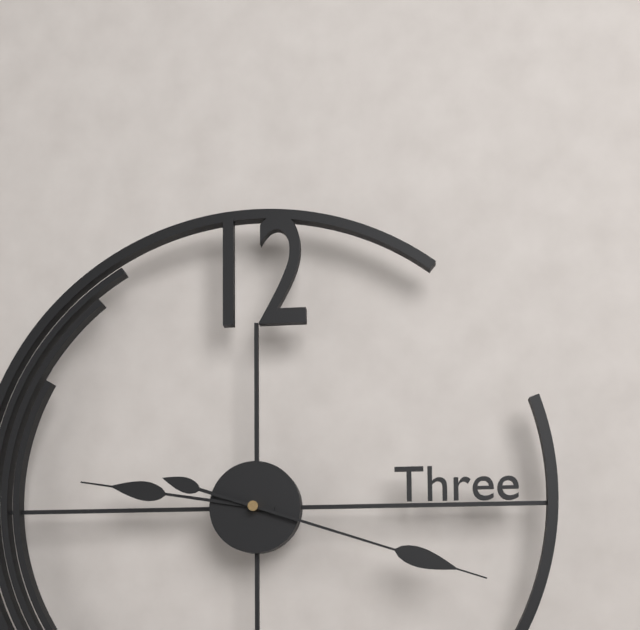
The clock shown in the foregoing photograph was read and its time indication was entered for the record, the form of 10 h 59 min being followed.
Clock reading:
9 h 18 min
